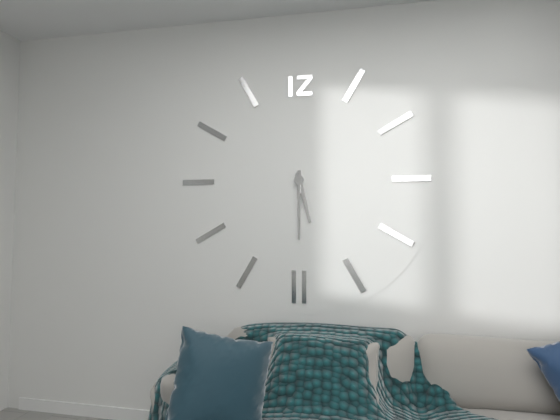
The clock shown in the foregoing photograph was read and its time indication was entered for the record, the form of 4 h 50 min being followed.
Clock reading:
5 h 30 min
